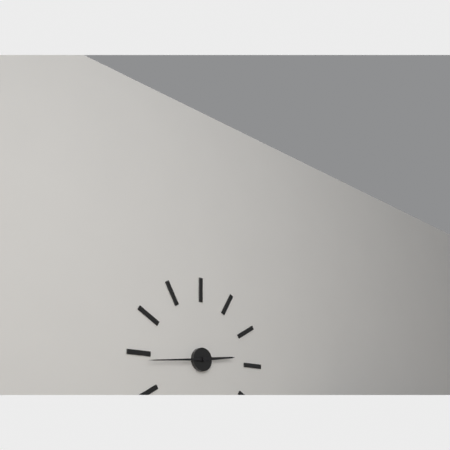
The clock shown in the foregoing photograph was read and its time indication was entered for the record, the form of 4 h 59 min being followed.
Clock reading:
2 h 44 min
